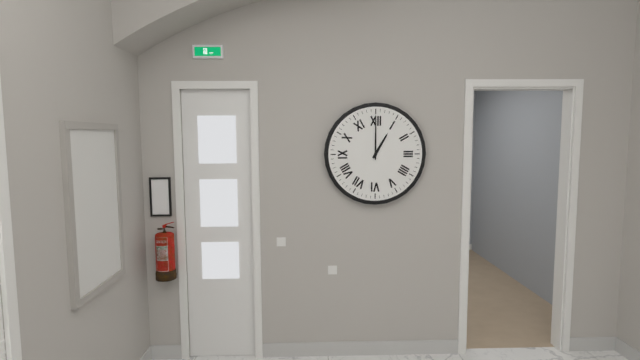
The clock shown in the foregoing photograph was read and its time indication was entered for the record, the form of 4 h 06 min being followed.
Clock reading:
1 h 00 min
